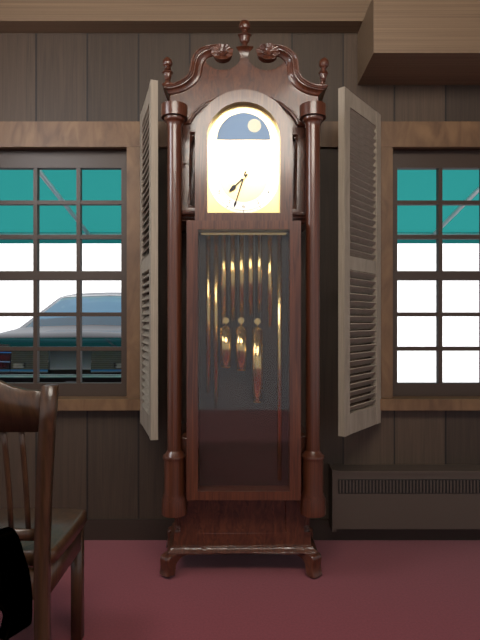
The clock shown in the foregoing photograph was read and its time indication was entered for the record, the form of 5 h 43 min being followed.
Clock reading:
7 h 33 min
